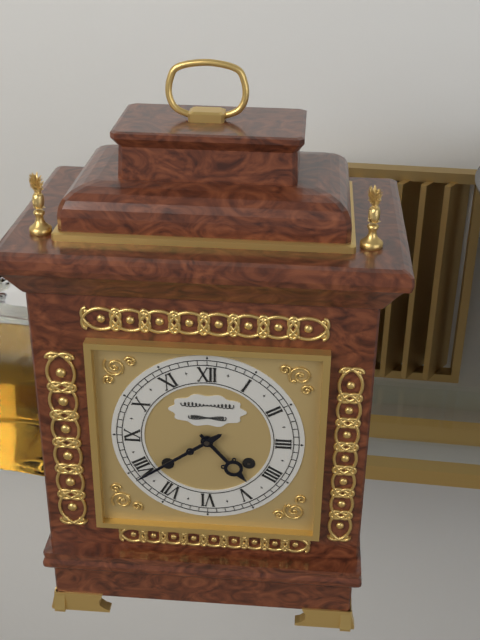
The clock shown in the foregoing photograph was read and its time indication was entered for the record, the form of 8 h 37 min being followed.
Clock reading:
4 h 39 min
